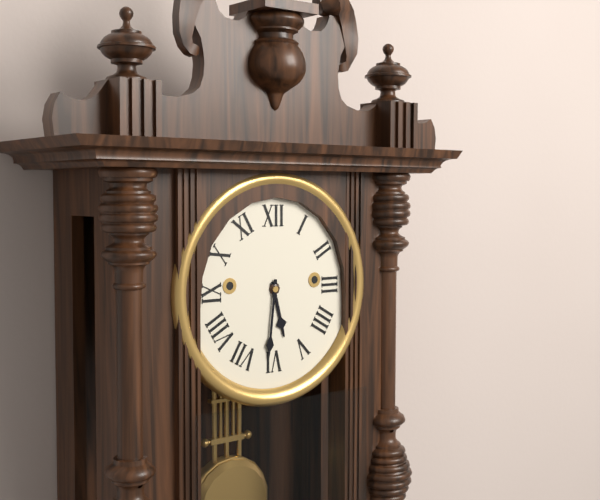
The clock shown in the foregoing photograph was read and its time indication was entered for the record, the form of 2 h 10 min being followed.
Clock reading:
5 h 31 min
